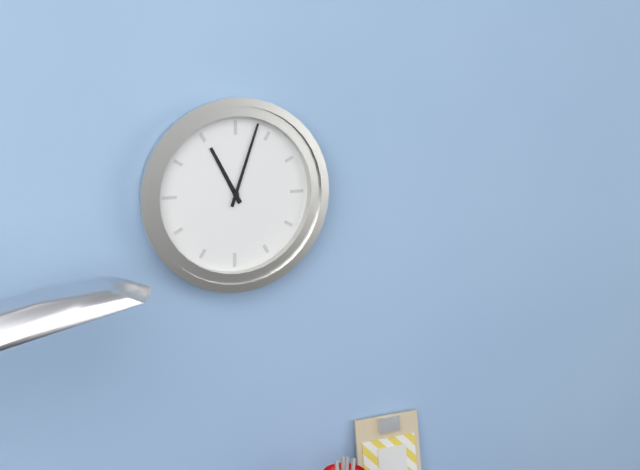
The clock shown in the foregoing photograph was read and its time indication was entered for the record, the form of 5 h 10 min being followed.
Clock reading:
11 h 03 min
